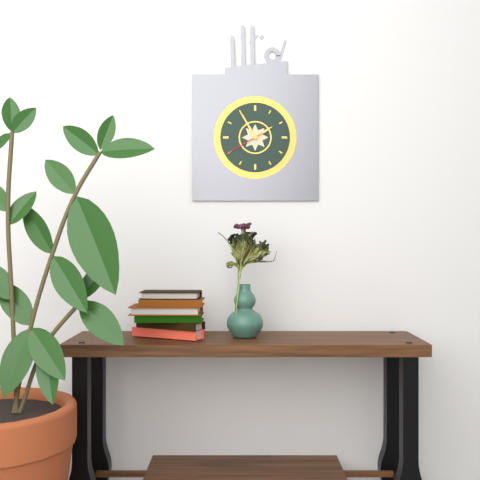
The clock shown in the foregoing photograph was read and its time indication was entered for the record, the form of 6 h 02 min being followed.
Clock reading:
1 h 55 min
